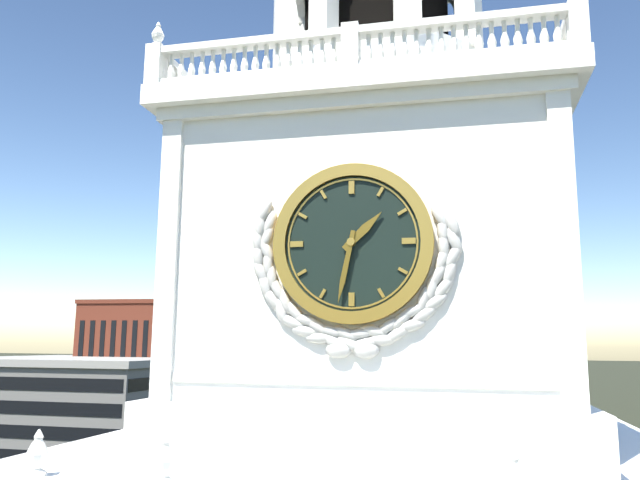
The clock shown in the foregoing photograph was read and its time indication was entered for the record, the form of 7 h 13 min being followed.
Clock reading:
1 h 32 min
